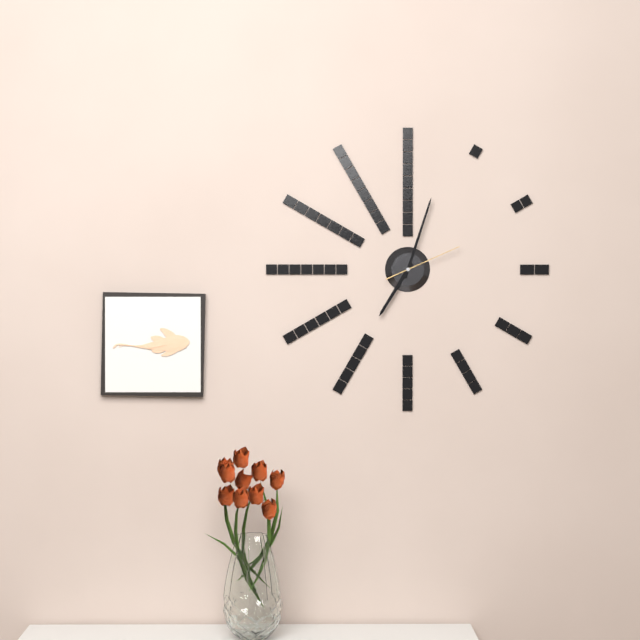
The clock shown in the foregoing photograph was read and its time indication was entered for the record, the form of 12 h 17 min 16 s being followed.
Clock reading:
7 h 03 min 11 s
